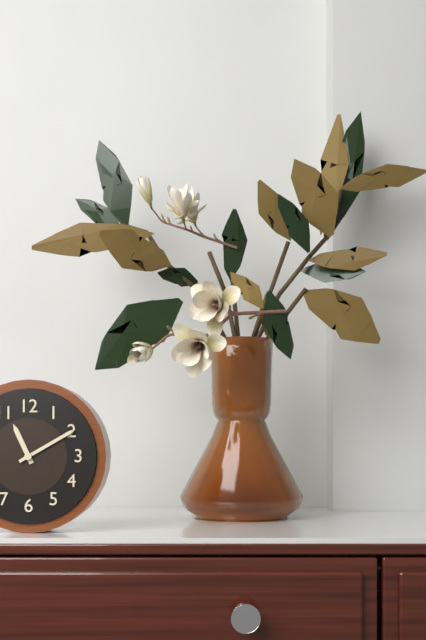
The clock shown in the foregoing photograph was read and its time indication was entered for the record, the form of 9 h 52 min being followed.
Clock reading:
11 h 10 min
